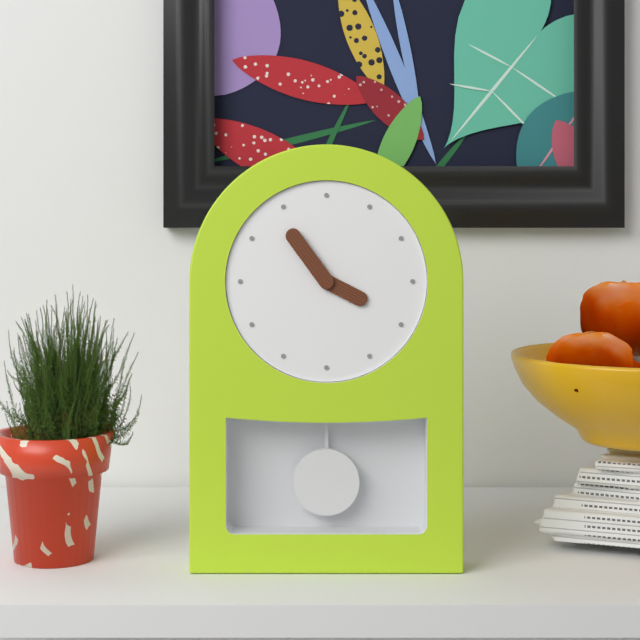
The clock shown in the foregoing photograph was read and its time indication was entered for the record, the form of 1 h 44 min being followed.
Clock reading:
3 h 54 min
